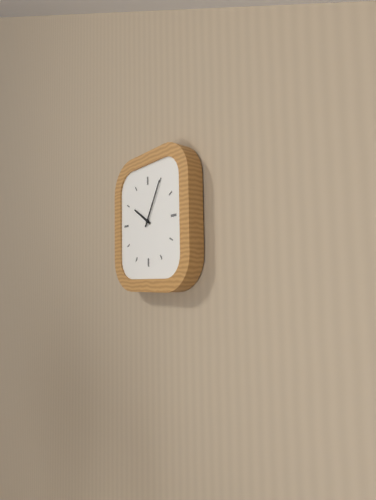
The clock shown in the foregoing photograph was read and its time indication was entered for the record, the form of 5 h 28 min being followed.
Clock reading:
10 h 05 min
